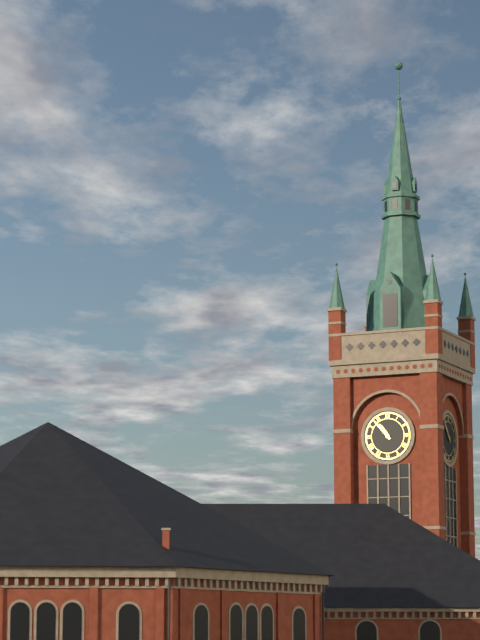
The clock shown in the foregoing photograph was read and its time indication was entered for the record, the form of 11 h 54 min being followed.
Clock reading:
10 h 53 min
